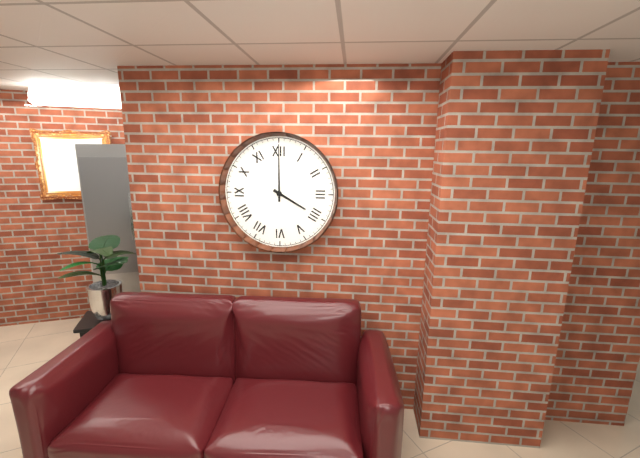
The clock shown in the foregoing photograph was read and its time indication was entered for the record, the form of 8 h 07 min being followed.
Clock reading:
4 h 00 min
